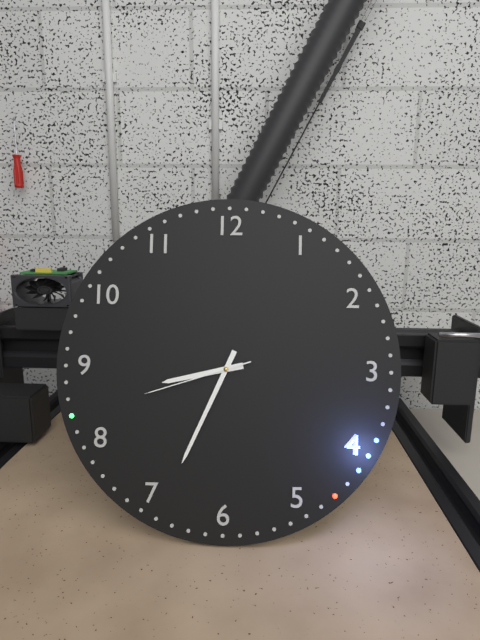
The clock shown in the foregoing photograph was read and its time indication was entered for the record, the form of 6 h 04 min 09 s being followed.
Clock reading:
8 h 34 min 42 s
